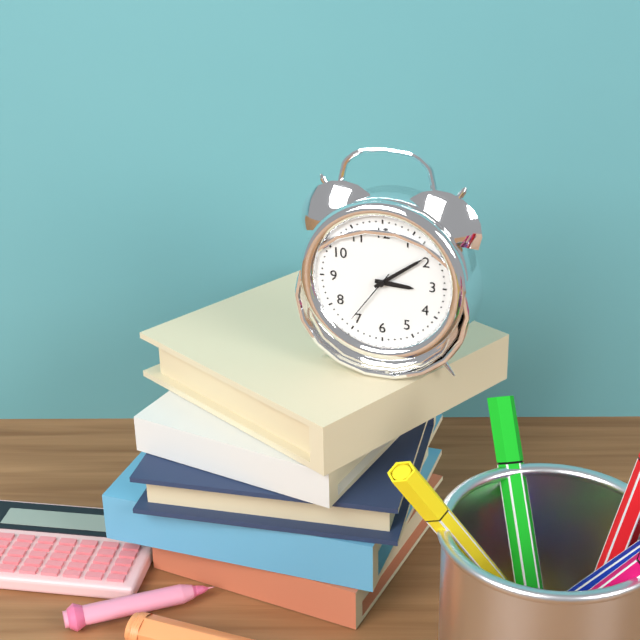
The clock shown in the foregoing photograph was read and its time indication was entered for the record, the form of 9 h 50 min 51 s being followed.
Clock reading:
3 h 09 min 36 s
